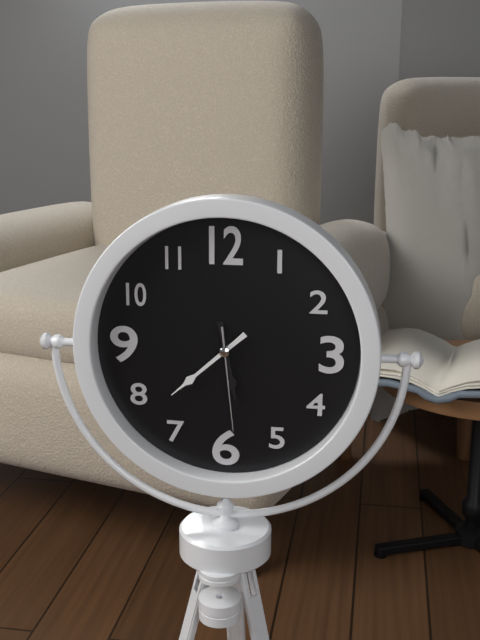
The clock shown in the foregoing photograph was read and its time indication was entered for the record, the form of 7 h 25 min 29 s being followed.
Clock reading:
5 h 38 min 29 s
